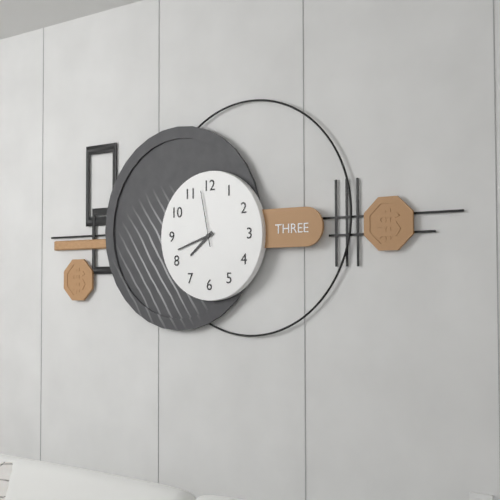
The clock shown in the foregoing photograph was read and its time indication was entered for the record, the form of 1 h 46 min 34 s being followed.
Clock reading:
7 h 42 min 58 s
